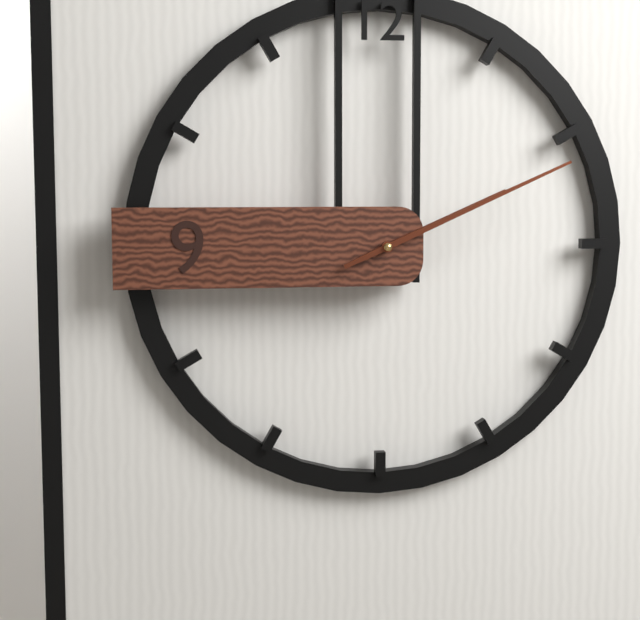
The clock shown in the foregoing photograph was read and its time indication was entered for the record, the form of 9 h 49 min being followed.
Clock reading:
2 h 11 min
